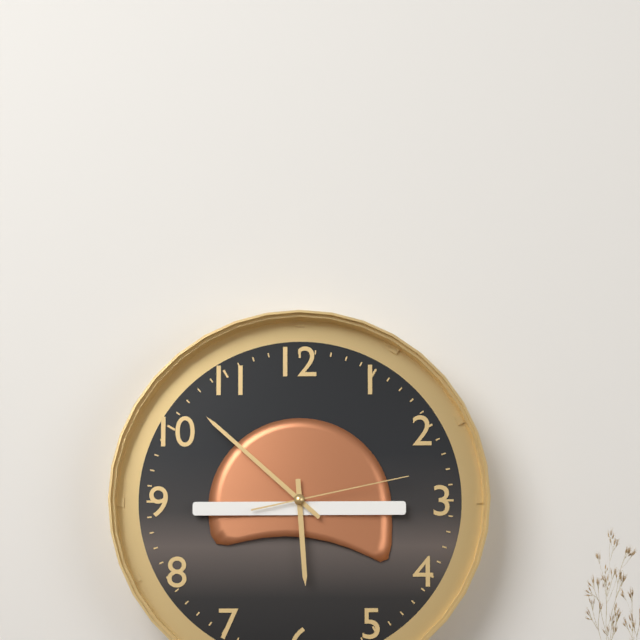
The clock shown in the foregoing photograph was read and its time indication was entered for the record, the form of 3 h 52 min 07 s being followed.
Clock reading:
5 h 52 min 13 s
